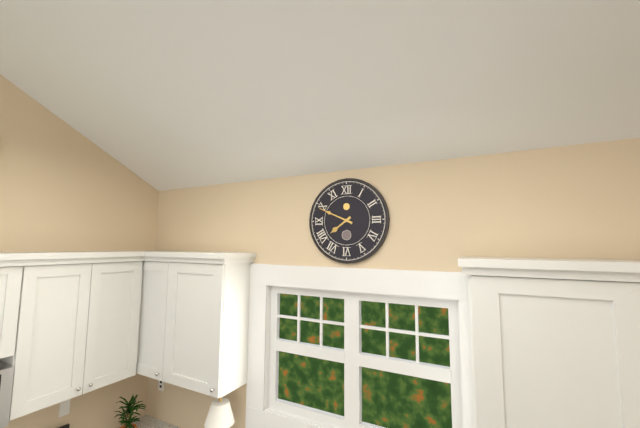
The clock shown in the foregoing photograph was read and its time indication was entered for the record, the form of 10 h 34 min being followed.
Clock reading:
7 h 49 min
